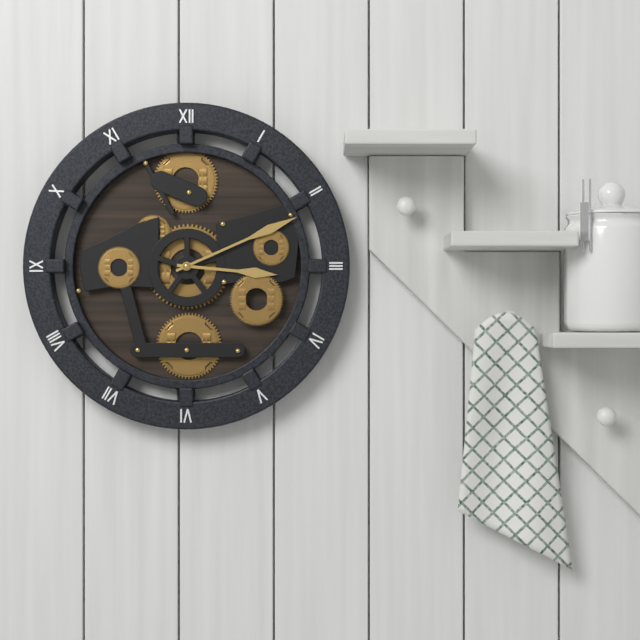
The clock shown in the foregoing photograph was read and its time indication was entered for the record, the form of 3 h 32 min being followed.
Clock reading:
3 h 11 min
